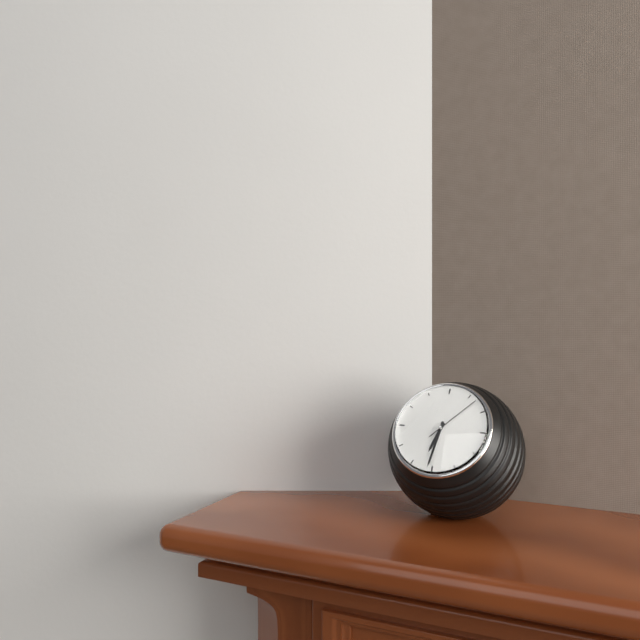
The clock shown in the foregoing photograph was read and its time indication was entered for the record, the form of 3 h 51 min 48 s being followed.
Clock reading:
6 h 31 min 07 s
